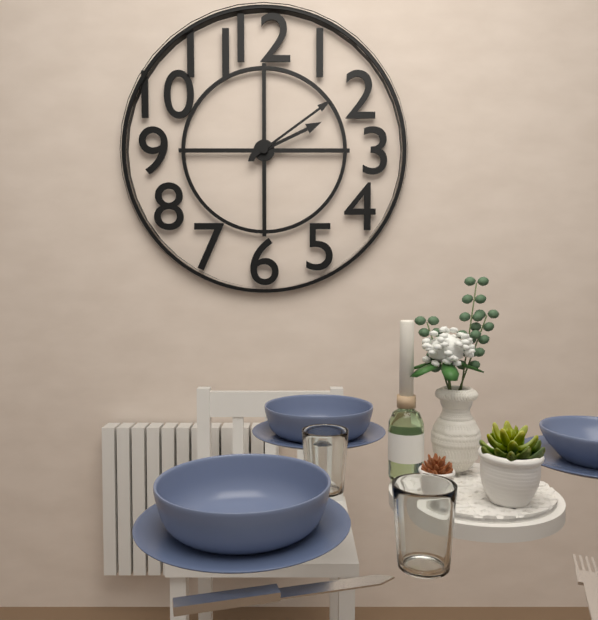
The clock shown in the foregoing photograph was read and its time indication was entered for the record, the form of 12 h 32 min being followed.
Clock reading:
2 h 09 min
